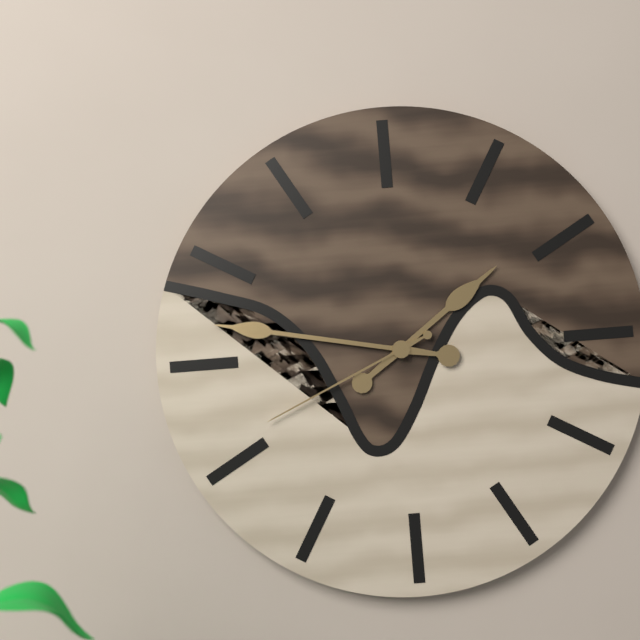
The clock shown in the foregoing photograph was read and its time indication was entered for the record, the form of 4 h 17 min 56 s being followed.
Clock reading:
1 h 47 min 41 s
